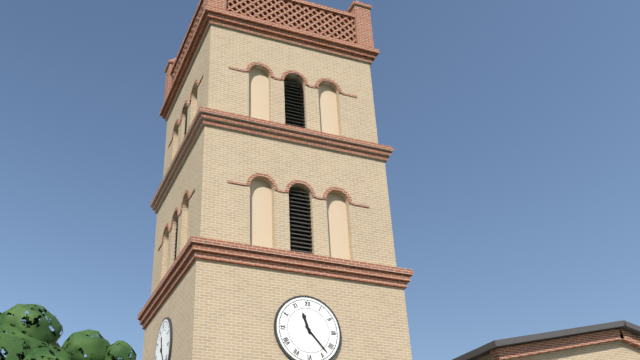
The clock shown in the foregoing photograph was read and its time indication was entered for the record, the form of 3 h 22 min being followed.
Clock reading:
11 h 23 min
